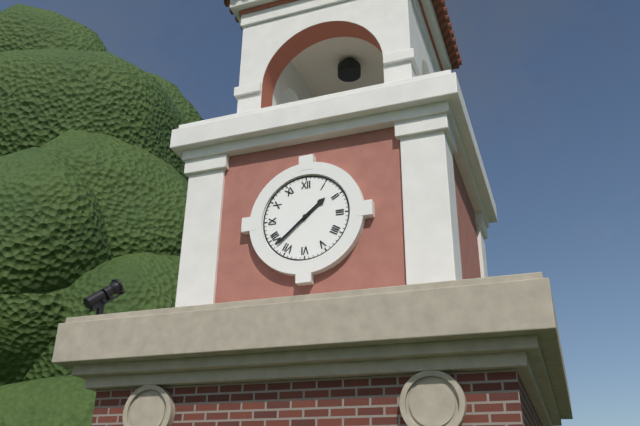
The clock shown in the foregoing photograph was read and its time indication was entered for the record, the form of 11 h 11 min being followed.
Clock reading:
1 h 38 min
